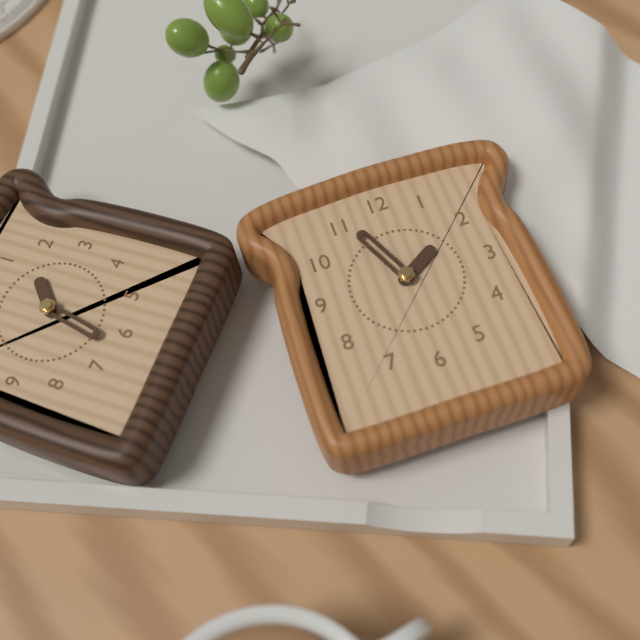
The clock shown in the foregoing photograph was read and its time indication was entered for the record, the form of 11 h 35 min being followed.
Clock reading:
1 h 56 min
